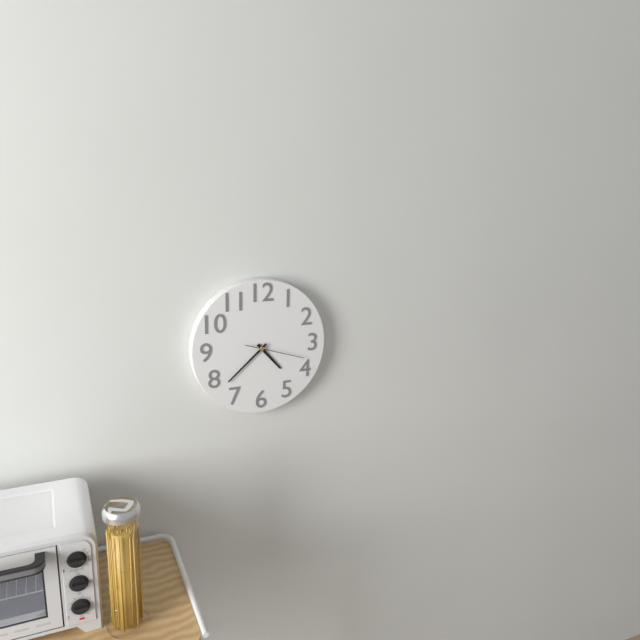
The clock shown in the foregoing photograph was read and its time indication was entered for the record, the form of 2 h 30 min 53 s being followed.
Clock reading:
4 h 38 min 18 s
